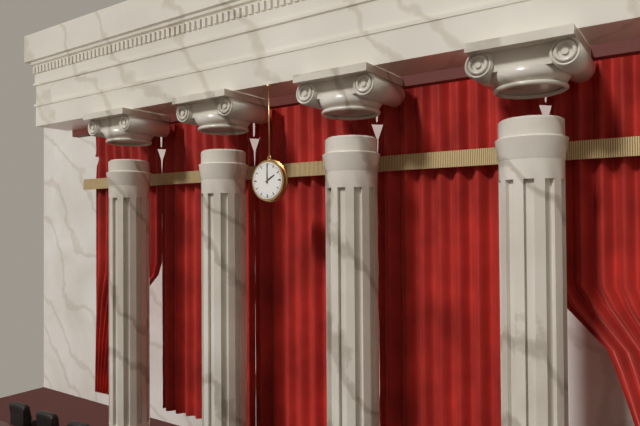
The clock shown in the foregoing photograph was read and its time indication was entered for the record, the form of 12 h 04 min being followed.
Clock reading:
2 h 00 min
